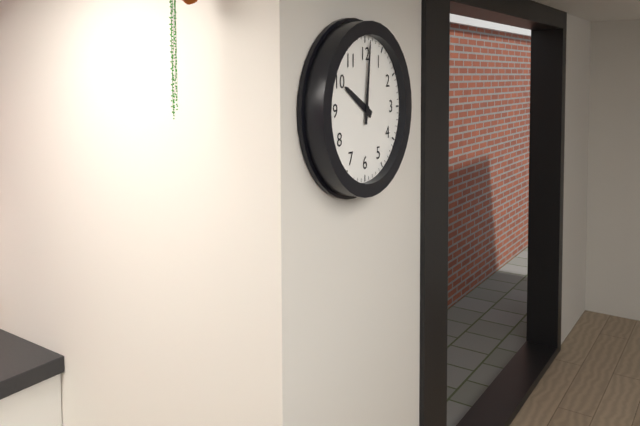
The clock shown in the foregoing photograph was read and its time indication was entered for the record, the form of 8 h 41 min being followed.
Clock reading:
10 h 01 min
